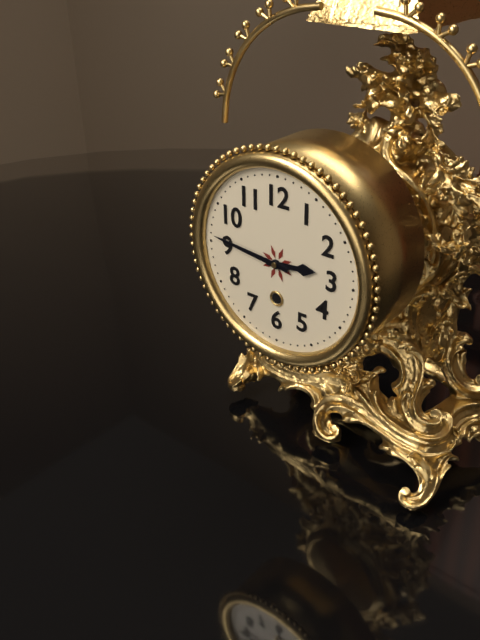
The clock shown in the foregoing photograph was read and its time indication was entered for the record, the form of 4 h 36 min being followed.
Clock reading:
2 h 46 min
